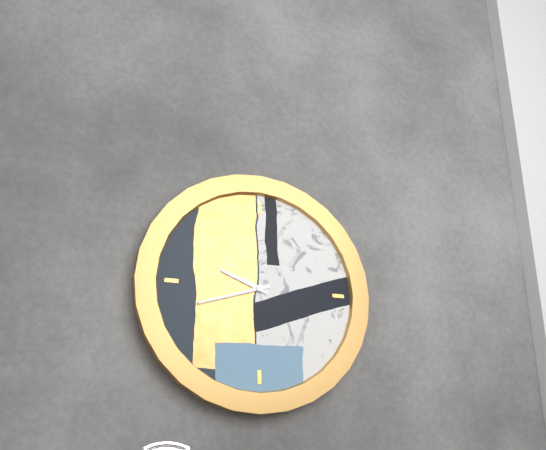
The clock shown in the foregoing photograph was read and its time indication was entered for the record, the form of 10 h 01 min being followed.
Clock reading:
9 h 42 min
